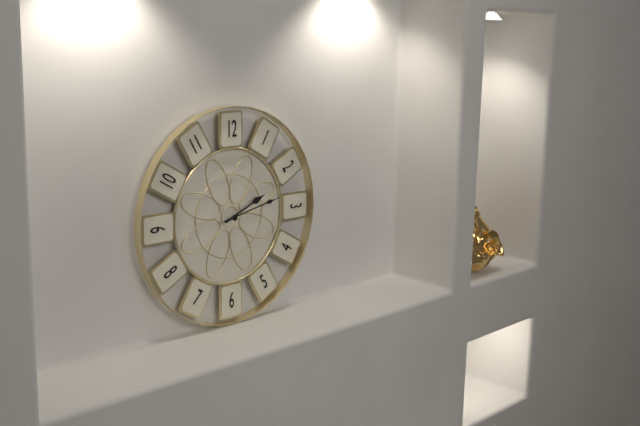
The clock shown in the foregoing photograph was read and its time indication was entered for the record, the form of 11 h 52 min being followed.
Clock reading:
2 h 13 min
